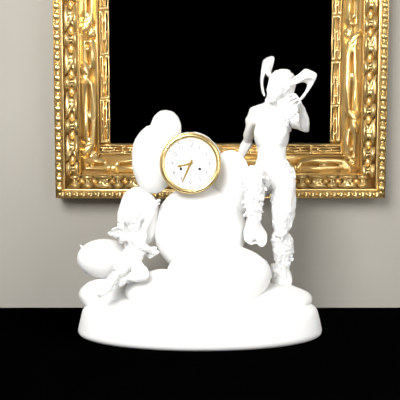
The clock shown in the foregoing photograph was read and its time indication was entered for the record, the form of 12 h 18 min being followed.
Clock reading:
8 h 34 min
